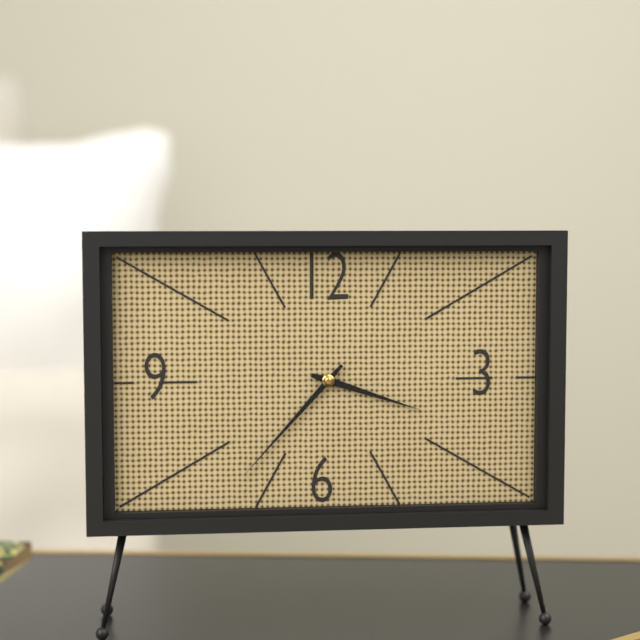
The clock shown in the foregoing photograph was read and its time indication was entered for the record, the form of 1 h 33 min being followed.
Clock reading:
3 h 37 min
